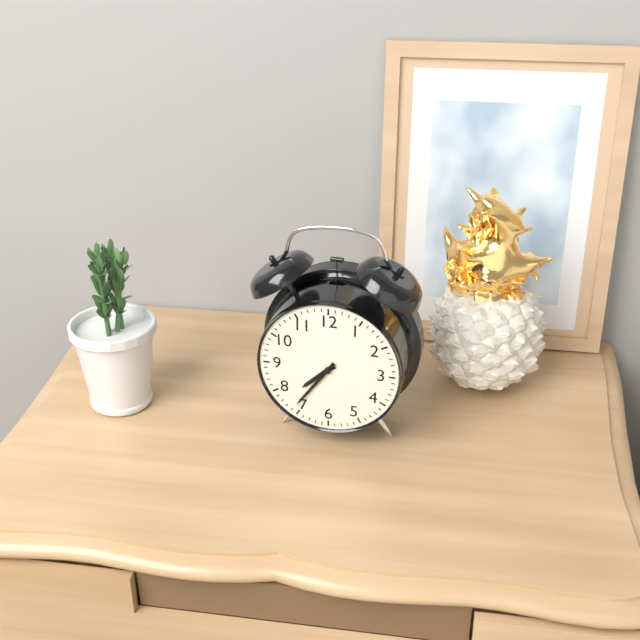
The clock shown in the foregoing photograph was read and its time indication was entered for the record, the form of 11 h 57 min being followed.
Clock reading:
7 h 36 min
